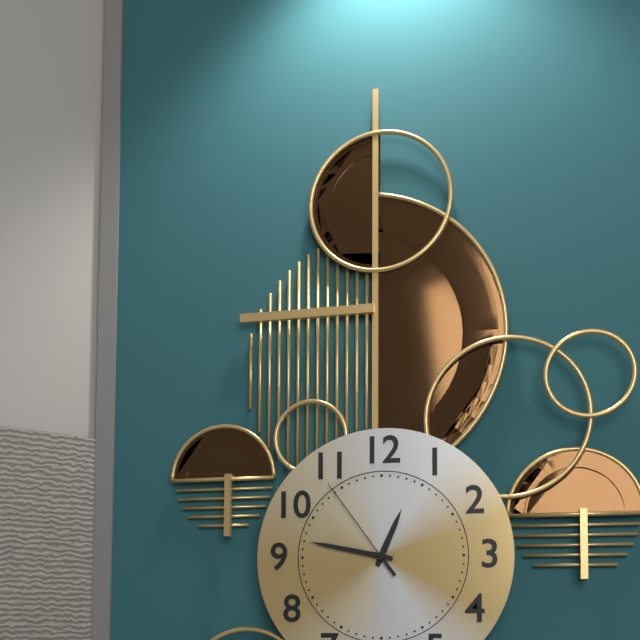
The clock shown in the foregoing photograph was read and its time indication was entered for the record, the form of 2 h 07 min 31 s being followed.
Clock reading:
12 h 47 min 54 s
